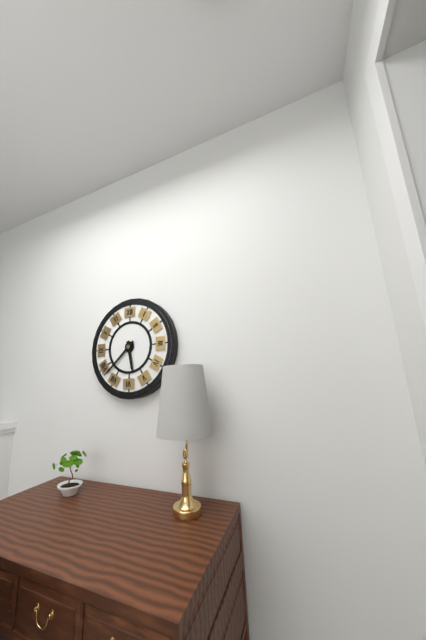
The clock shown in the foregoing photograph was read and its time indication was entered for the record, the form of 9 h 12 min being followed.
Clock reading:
5 h 38 min
